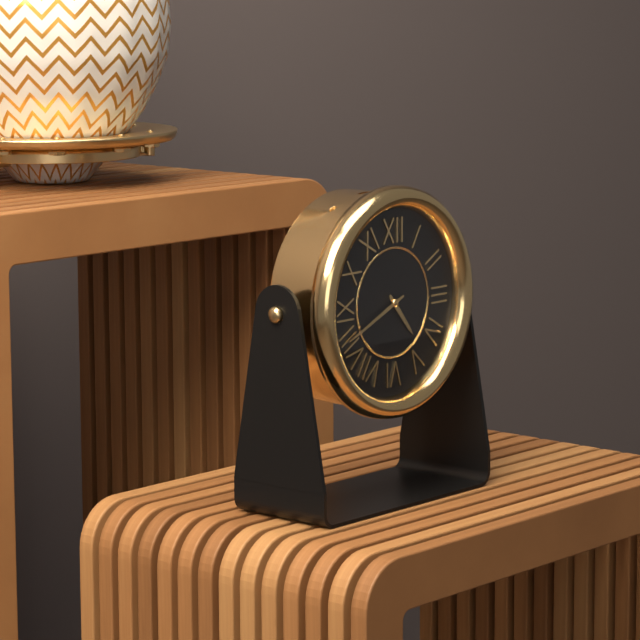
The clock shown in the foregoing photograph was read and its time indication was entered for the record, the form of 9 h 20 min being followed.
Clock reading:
4 h 41 min
